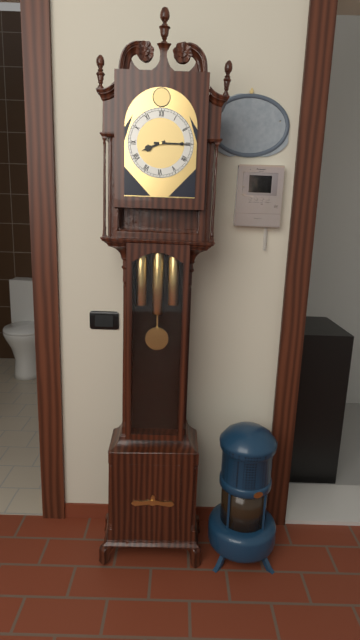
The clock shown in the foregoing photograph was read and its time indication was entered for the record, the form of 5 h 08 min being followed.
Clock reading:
8 h 15 min
